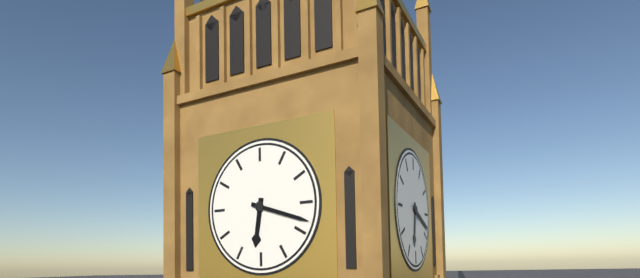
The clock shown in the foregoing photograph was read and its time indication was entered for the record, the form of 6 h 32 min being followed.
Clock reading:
6 h 18 min
